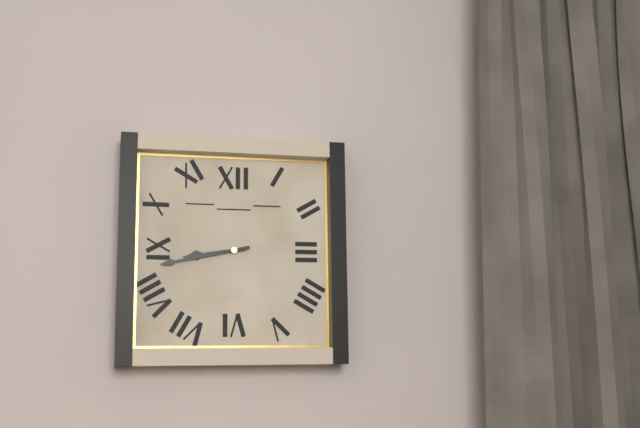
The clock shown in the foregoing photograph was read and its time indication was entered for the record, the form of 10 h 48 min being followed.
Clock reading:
8 h 43 min
